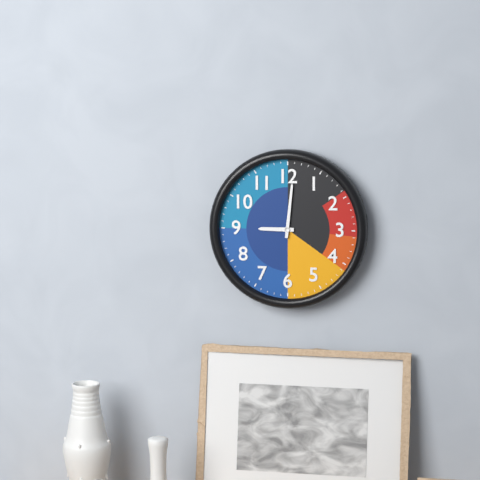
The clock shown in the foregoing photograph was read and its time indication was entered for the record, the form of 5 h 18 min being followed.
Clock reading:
9 h 01 min
